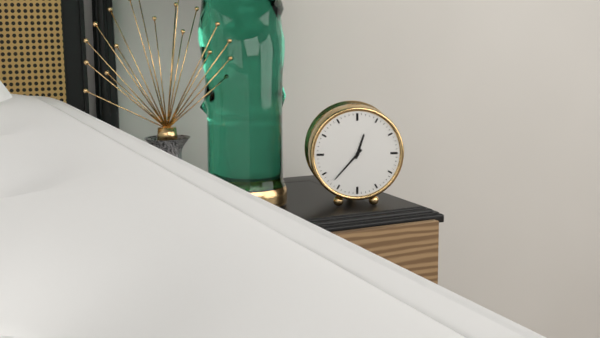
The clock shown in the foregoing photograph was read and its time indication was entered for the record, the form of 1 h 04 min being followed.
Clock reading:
12 h 37 min
